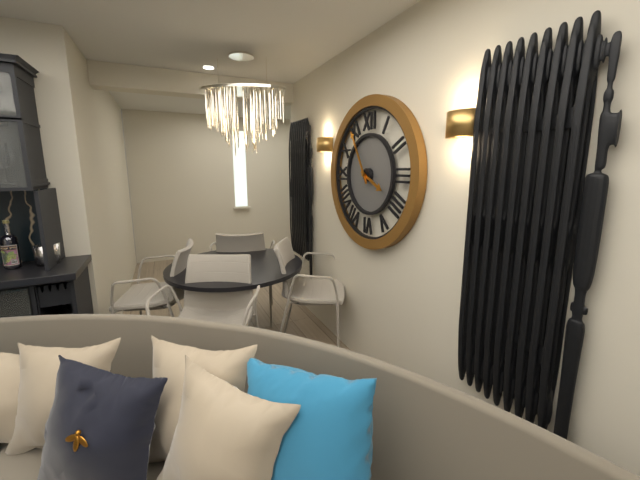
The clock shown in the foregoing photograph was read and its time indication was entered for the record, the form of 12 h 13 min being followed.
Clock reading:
3 h 55 min
